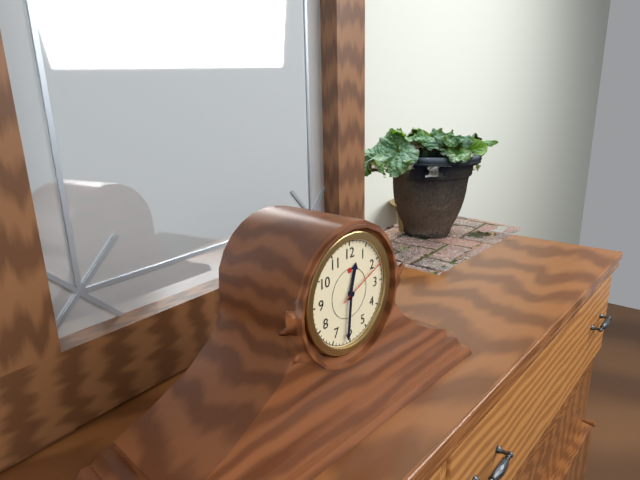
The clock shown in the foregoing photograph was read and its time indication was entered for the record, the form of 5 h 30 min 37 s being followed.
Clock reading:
12 h 31 min 11 s
